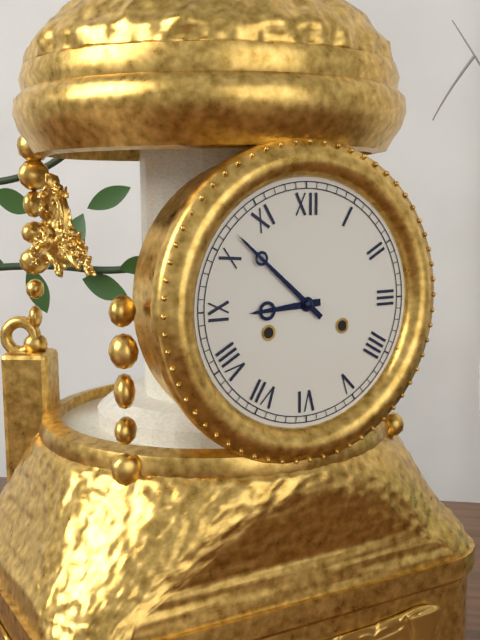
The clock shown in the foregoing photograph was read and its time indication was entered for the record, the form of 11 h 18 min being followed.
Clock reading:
8 h 52 min
